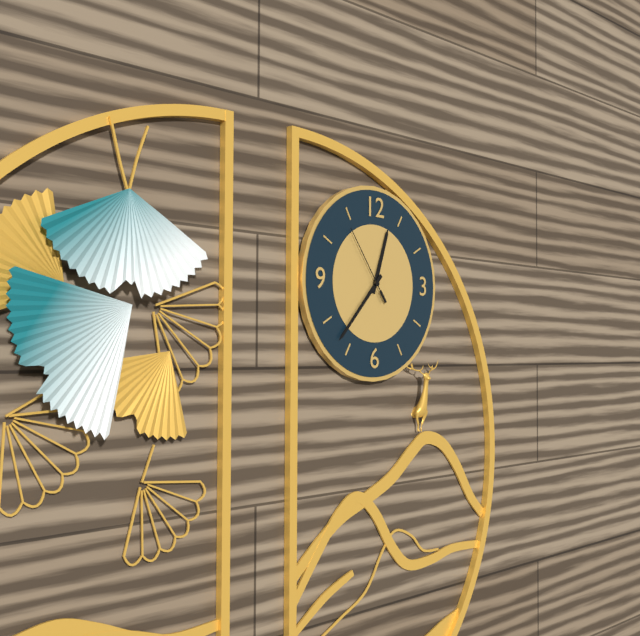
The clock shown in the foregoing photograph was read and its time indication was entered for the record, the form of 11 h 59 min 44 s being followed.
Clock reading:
12 h 37 min 54 s
